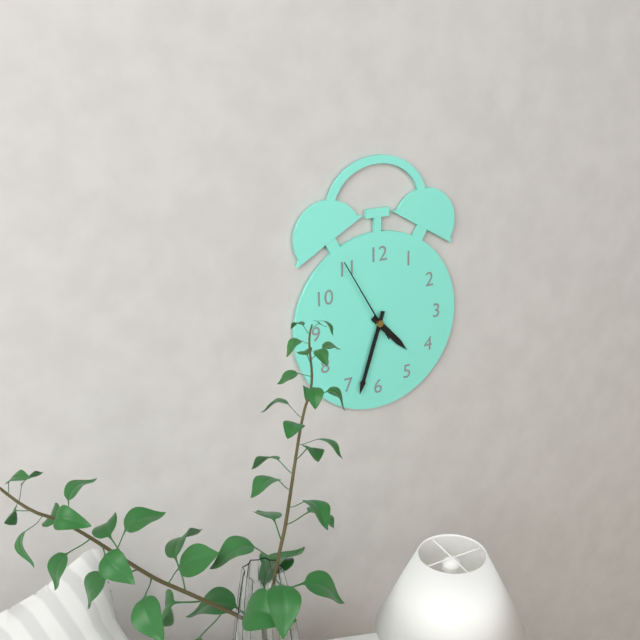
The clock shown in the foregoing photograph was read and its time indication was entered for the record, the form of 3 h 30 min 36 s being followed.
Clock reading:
4 h 33 min 55 s
